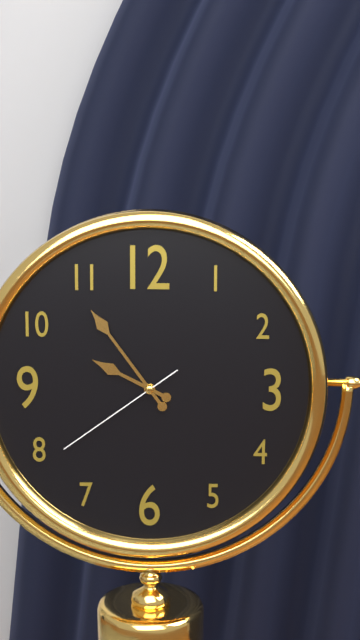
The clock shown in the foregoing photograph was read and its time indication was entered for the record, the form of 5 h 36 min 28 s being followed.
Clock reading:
9 h 54 min 39 s
